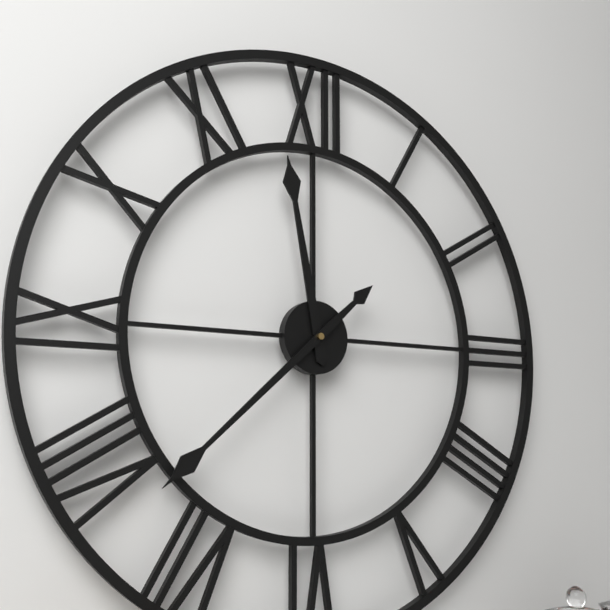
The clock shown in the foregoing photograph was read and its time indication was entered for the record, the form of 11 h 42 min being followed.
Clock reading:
11 h 38 min
